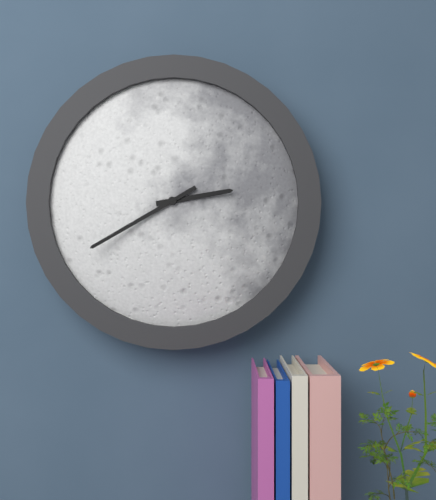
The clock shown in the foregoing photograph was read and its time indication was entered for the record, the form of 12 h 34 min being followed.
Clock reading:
2 h 40 min
